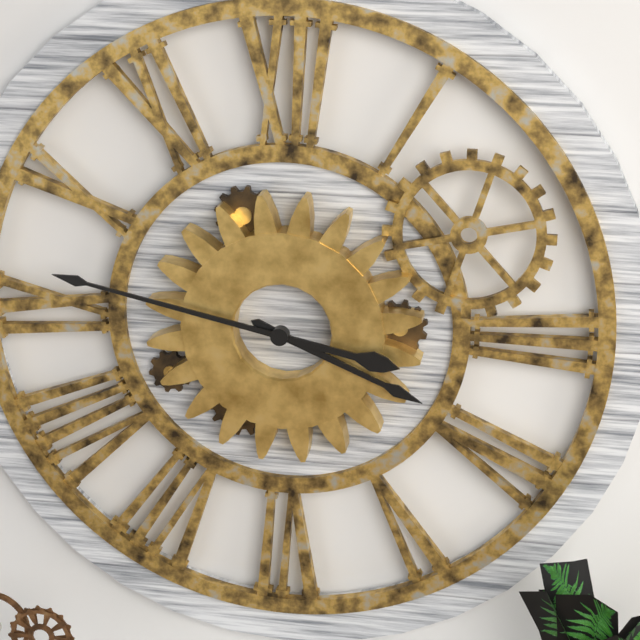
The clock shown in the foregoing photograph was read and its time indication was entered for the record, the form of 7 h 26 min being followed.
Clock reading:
3 h 47 min
